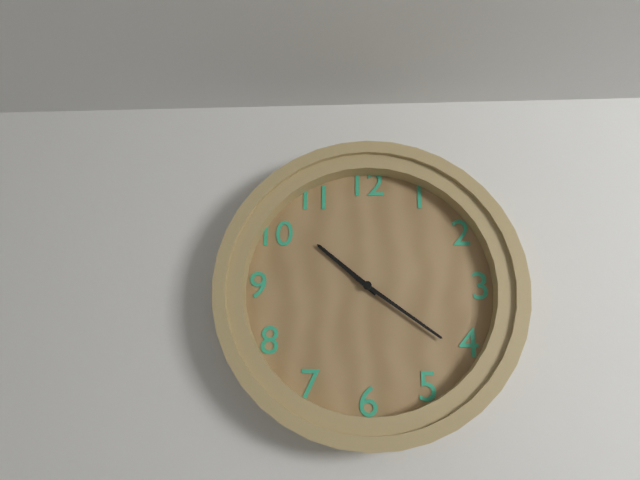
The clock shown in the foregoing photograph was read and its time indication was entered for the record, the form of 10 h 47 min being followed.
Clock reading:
10 h 21 min
